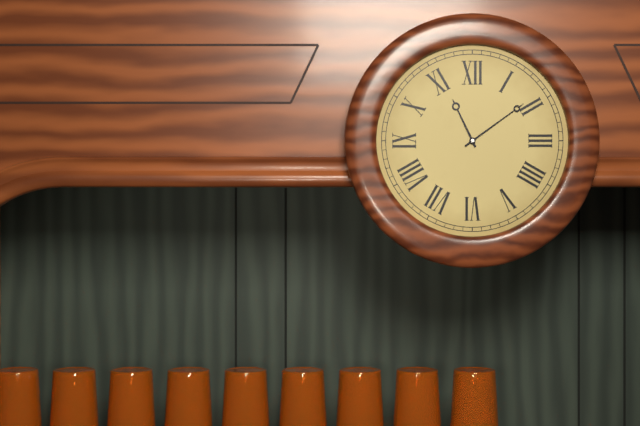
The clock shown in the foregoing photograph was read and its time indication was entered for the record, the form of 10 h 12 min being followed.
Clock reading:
11 h 09 min
